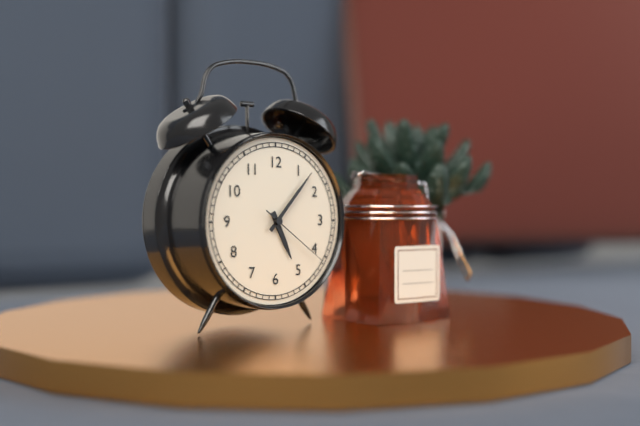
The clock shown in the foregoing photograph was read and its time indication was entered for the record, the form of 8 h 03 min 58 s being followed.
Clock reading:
5 h 07 min 21 s
